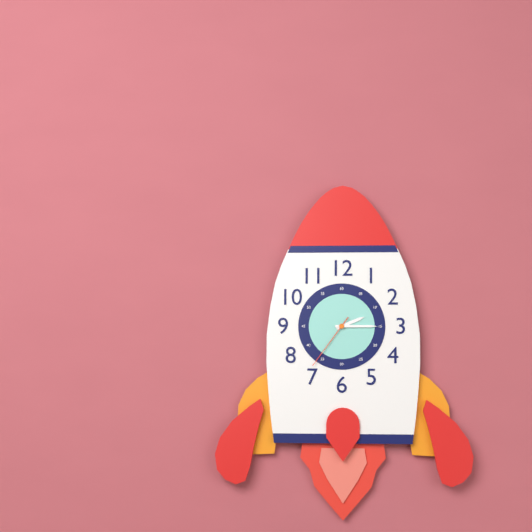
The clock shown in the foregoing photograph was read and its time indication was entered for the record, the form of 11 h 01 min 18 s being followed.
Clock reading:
2 h 15 min 36 s
